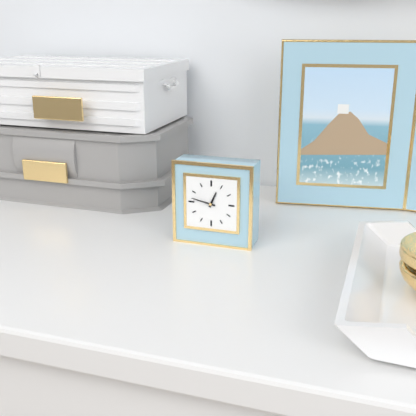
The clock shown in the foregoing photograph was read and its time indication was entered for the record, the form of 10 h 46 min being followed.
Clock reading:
12 h 47 min
